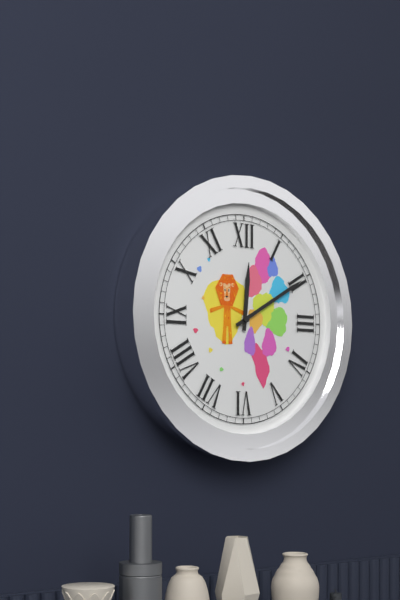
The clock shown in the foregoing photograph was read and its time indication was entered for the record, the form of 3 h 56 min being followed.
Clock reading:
12 h 10 min
